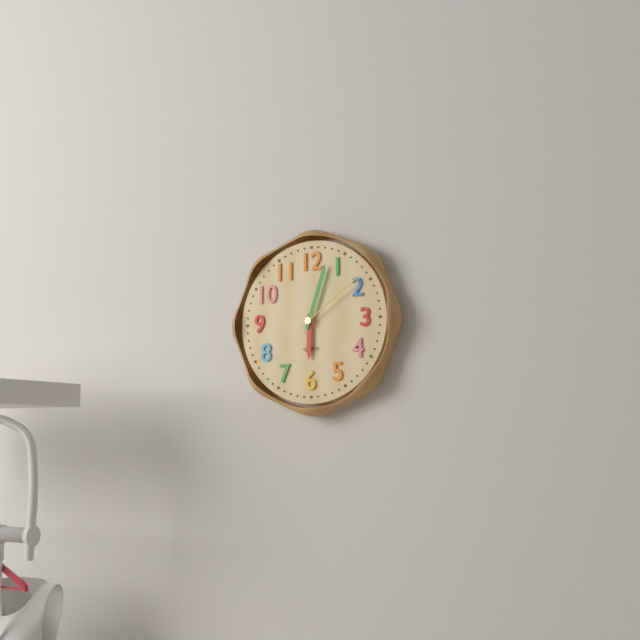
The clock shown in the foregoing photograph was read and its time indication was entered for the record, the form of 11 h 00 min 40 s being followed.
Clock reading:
6 h 03 min 09 s
